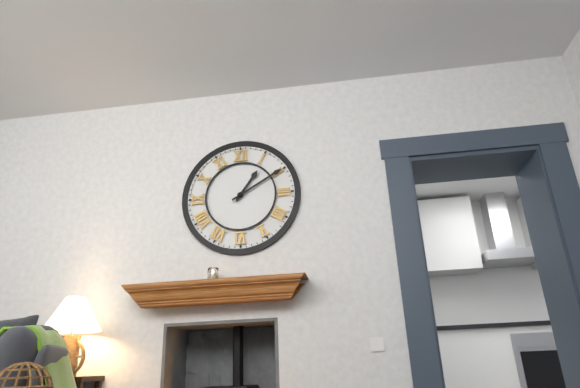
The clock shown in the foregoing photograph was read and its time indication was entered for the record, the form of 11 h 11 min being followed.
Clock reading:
1 h 10 min
